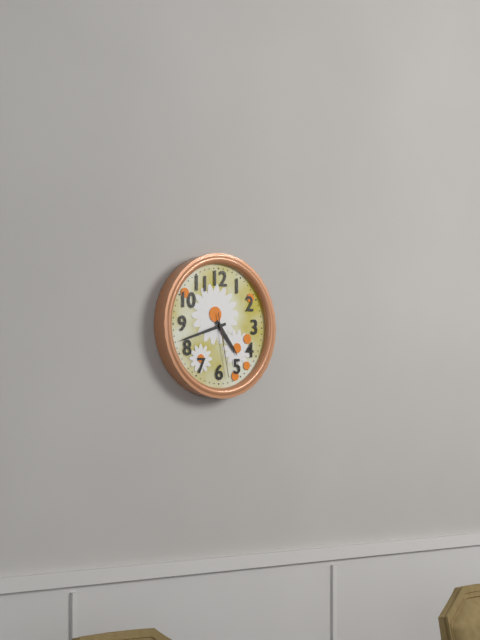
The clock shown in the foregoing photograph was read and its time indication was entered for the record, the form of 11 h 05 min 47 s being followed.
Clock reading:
4 h 42 min 28 s
